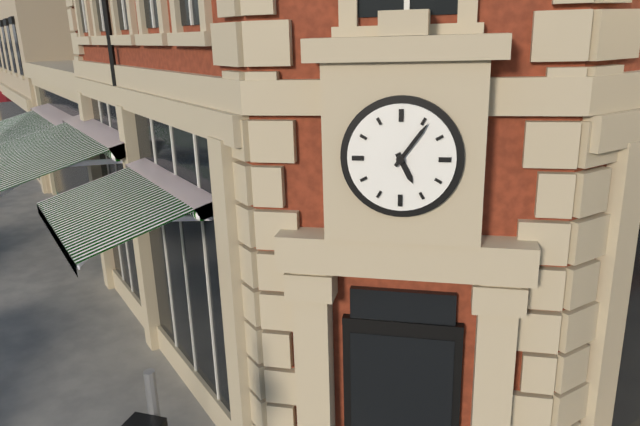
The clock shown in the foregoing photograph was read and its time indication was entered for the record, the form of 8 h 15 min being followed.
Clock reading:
5 h 06 min
